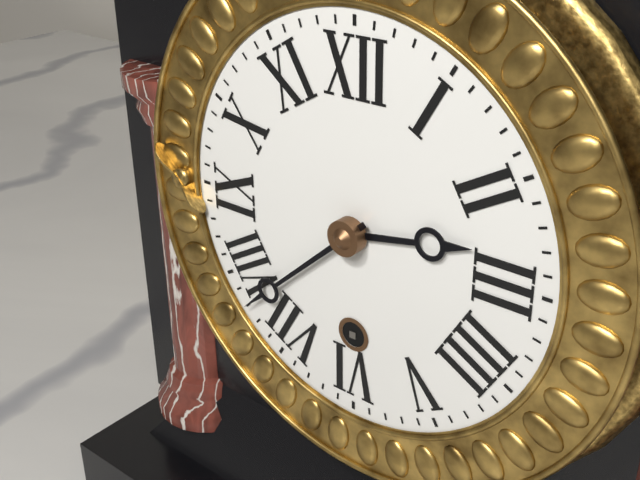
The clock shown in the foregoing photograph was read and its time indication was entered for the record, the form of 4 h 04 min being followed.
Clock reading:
2 h 38 min
